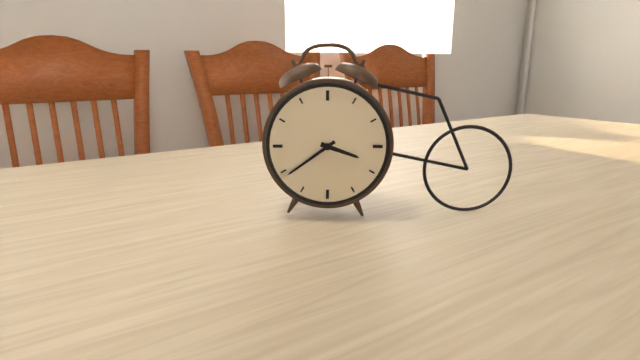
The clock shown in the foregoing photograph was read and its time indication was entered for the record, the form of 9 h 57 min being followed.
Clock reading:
3 h 39 min
